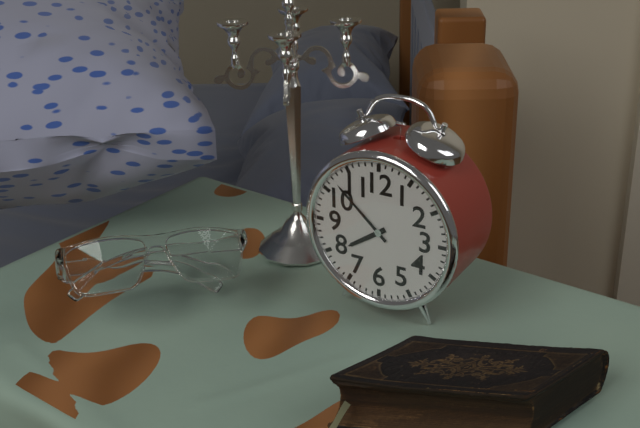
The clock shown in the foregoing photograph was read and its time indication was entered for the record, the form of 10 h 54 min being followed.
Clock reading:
7 h 52 min
